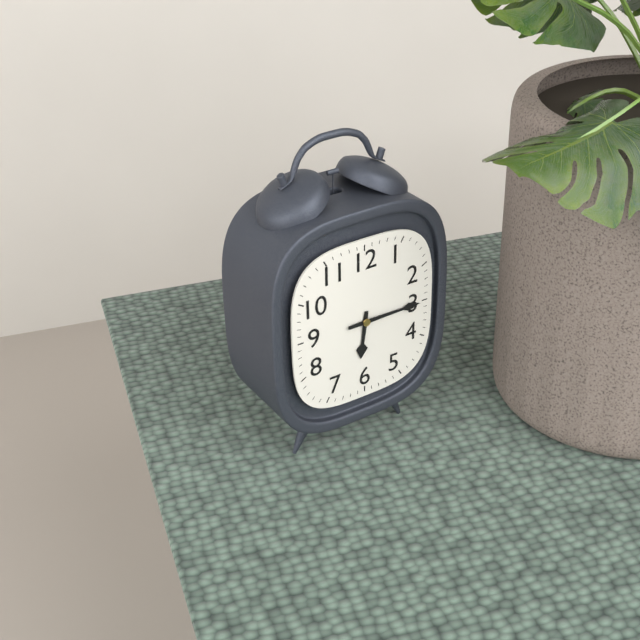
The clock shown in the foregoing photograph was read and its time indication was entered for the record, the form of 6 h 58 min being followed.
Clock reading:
6 h 15 min
